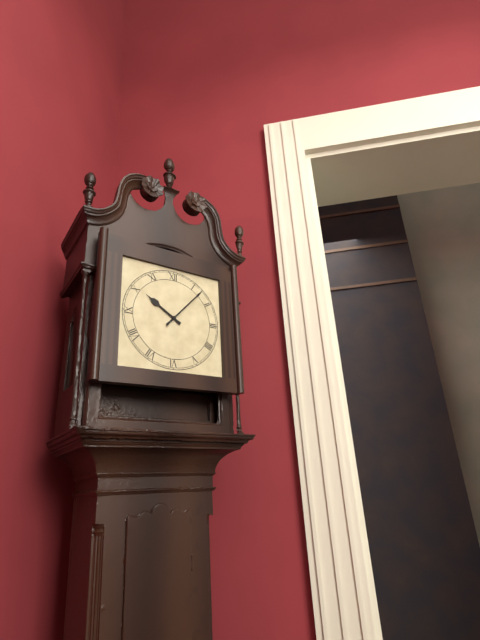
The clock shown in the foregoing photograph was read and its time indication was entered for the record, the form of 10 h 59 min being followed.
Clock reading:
10 h 07 min
